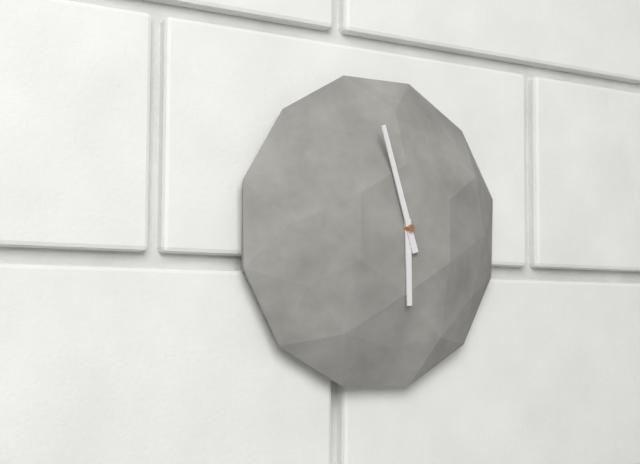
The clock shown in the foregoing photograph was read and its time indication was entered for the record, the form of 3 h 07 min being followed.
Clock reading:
5 h 57 min
